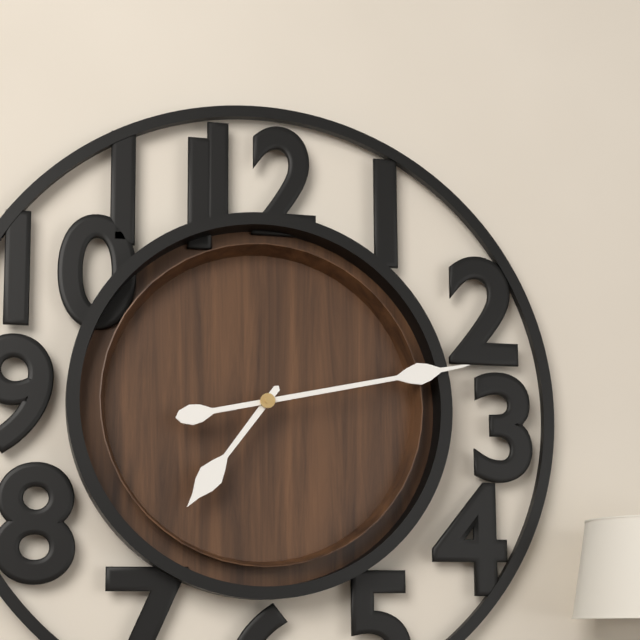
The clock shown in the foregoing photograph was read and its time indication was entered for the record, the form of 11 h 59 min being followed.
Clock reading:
7 h 13 min
